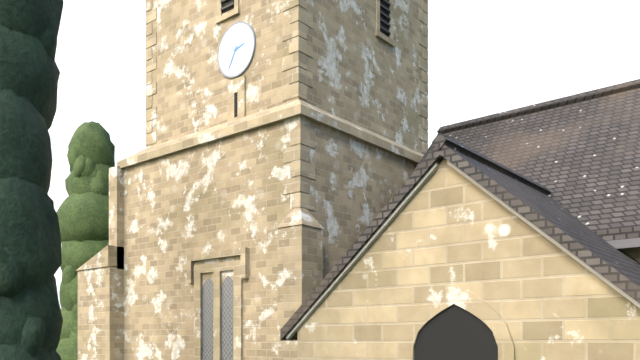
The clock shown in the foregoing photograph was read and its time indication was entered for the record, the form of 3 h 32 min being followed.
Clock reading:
2 h 35 min
